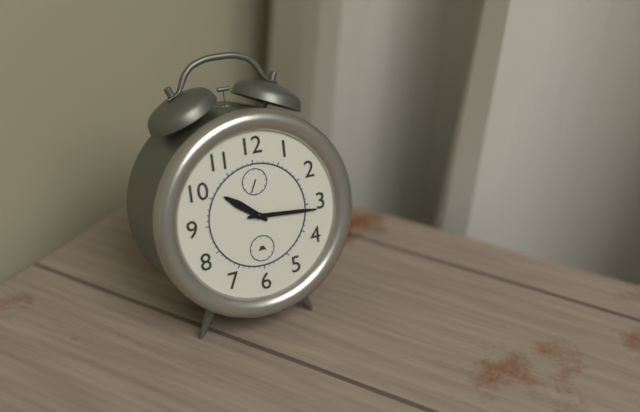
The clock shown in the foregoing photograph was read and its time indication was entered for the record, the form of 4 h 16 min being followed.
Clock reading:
10 h 16 min
